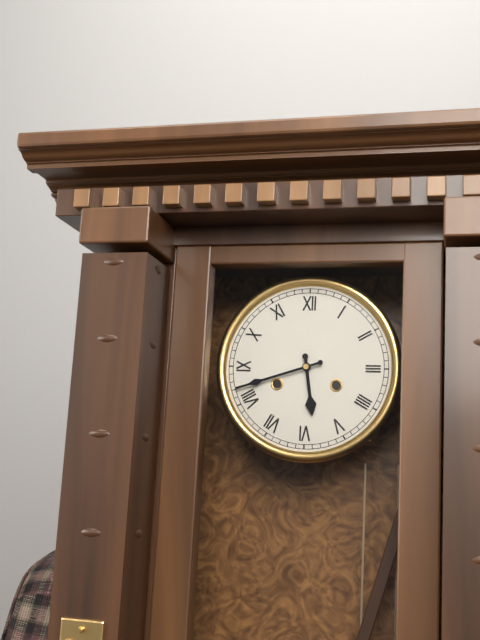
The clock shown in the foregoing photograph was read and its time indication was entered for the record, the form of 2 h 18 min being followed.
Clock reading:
5 h 42 min
